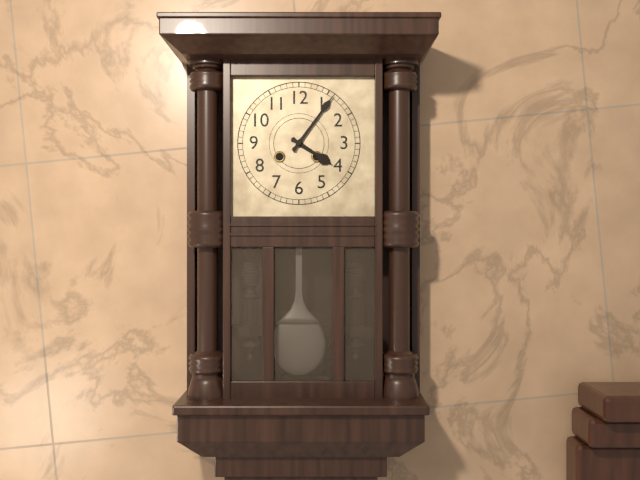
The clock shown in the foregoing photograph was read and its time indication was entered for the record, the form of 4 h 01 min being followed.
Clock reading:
4 h 06 min
